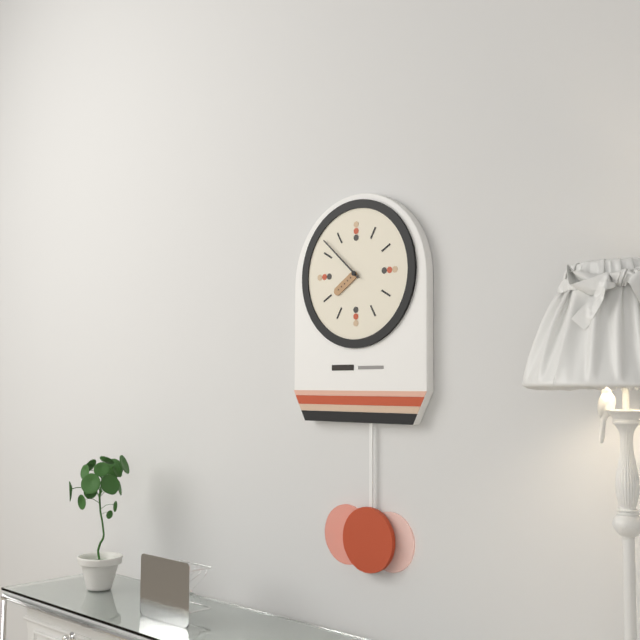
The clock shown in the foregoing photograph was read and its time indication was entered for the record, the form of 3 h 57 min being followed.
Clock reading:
7 h 52 min
